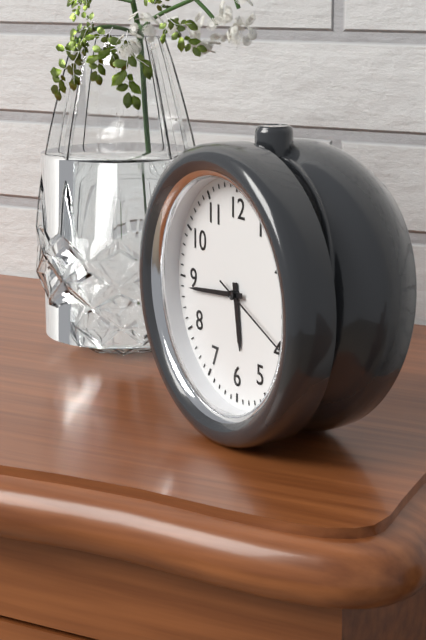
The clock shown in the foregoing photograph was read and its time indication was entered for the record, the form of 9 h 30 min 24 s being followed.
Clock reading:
5 h 44 min 19 s
